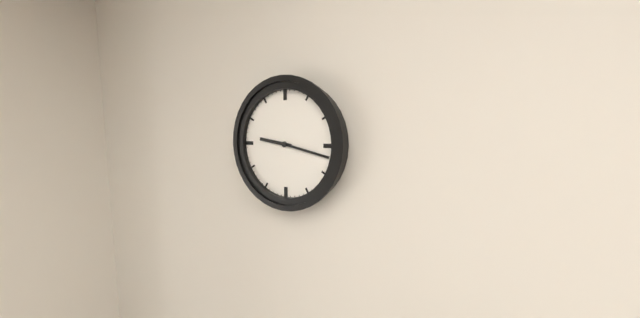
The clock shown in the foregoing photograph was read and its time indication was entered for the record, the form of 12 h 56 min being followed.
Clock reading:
9 h 17 min
